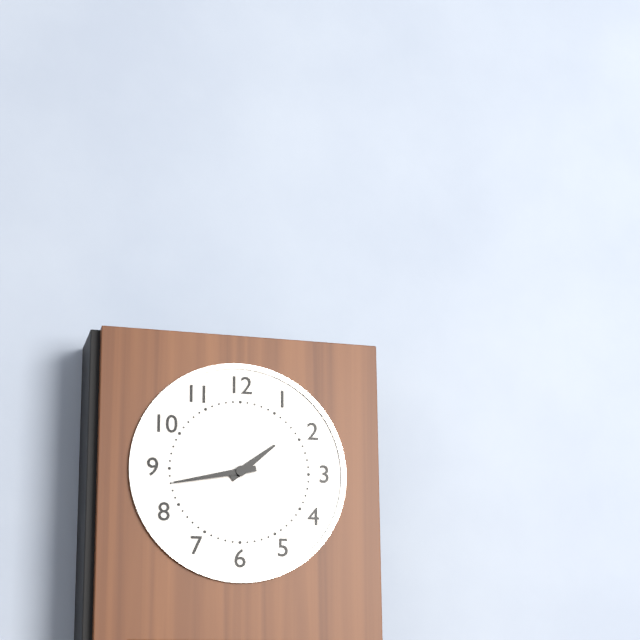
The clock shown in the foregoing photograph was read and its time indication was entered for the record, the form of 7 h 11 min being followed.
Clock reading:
1 h 43 min
